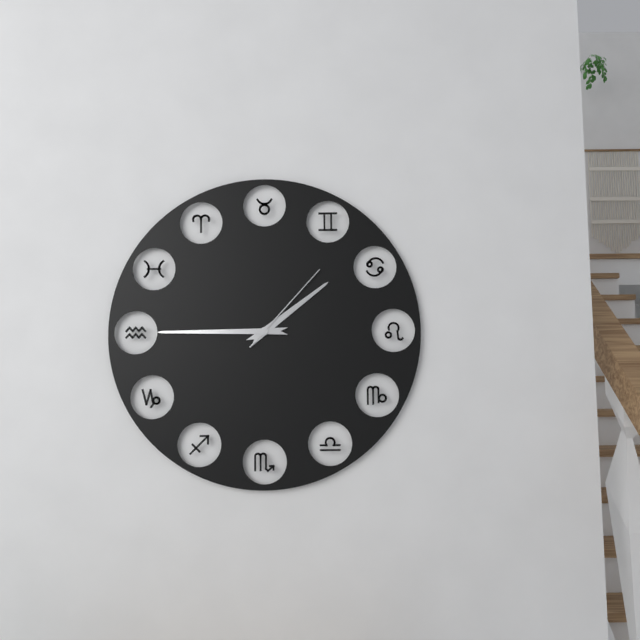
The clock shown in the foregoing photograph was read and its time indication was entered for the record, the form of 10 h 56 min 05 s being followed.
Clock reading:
1 h 45 min 07 s
